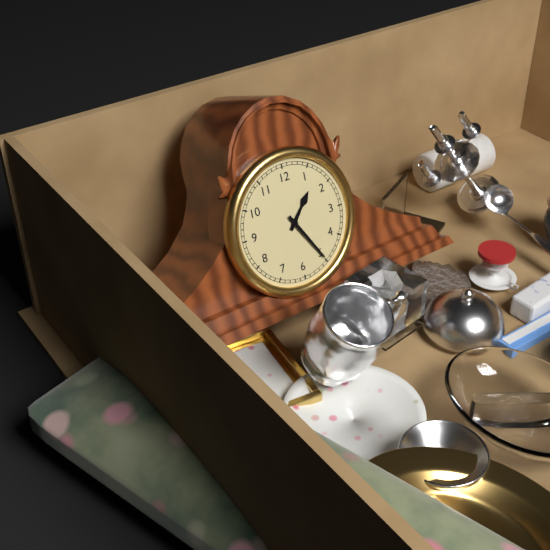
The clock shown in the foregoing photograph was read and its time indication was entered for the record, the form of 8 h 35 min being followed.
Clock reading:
1 h 25 min
